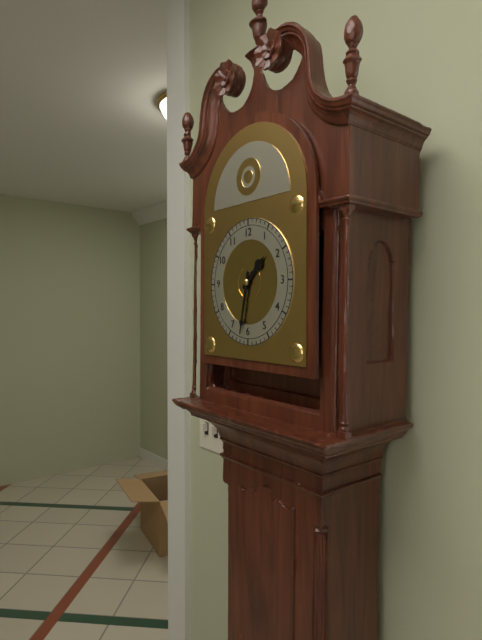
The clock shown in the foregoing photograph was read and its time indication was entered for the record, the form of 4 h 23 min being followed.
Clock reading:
1 h 32 min
